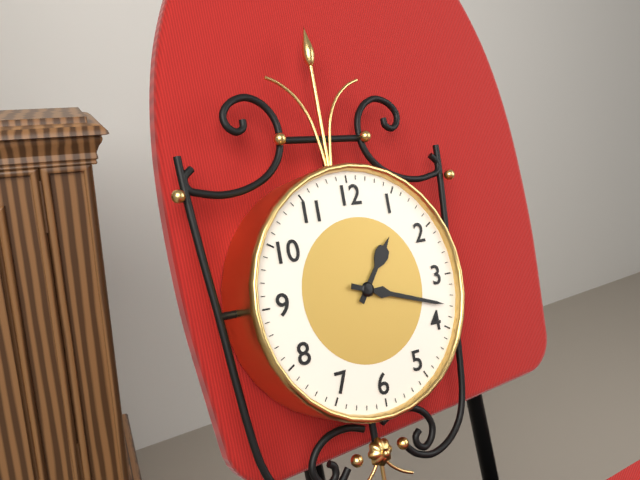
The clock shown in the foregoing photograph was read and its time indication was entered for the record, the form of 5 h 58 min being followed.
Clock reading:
1 h 18 min
